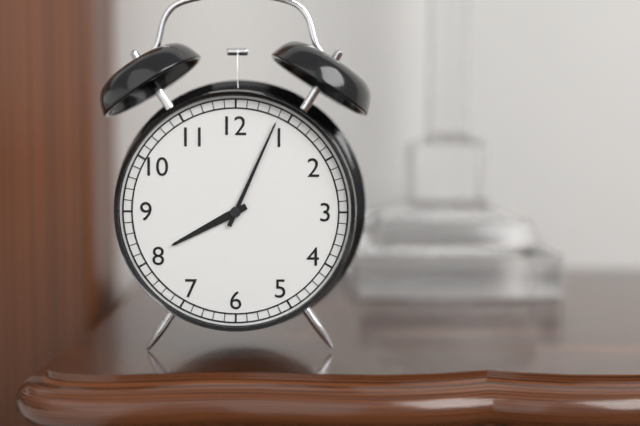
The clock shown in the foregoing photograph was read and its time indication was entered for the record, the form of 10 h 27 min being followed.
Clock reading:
8 h 04 min
